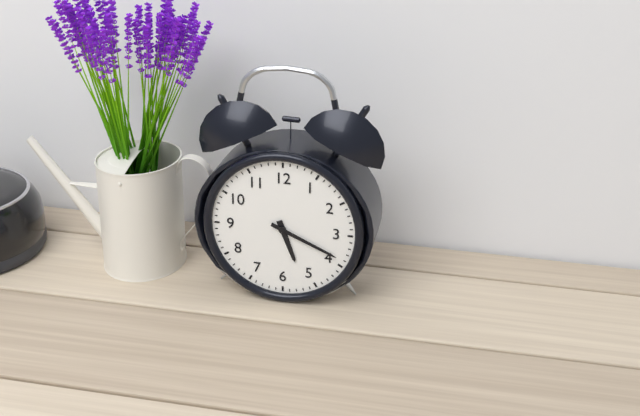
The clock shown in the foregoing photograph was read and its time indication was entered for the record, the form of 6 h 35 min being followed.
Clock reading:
5 h 19 min
